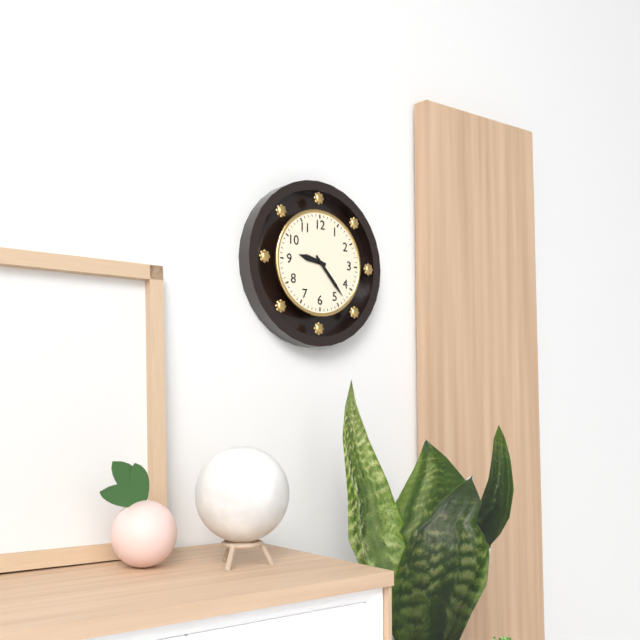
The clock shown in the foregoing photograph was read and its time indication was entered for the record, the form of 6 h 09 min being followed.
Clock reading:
9 h 23 min
